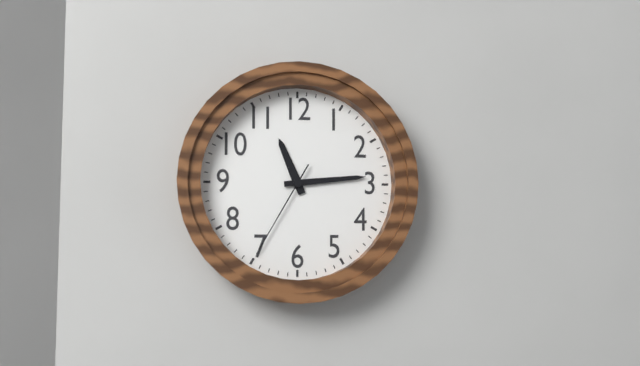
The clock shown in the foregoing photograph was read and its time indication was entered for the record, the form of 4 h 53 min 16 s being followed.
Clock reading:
11 h 14 min 35 s
